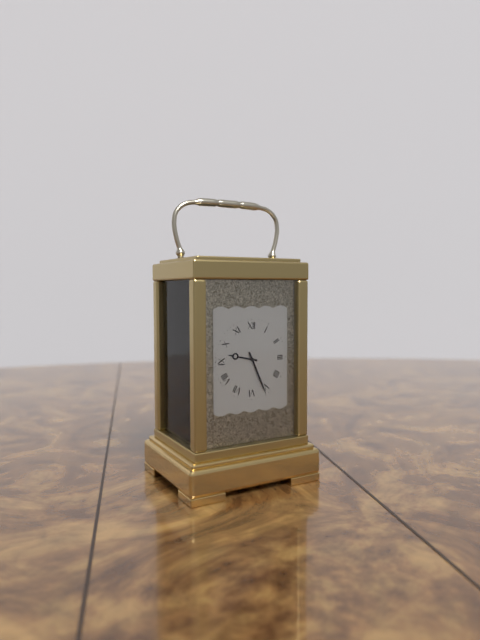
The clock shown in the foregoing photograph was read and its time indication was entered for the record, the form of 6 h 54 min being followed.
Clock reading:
9 h 26 min
